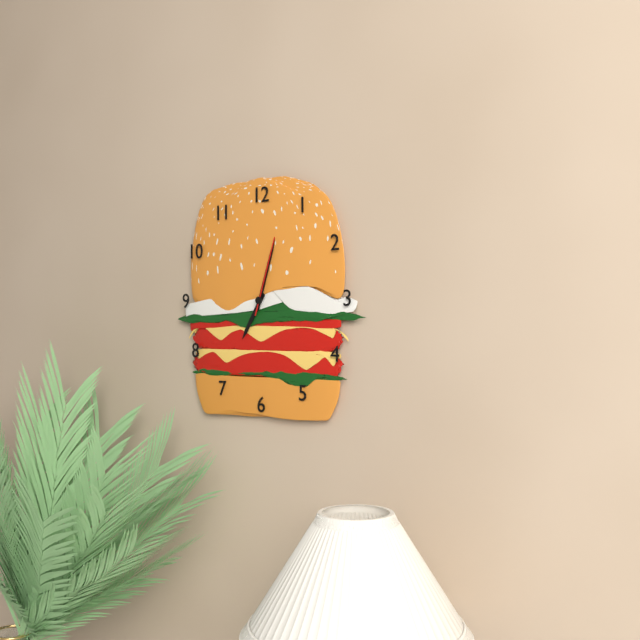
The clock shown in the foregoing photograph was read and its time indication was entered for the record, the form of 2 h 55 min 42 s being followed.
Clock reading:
7 h 03 min 03 s
